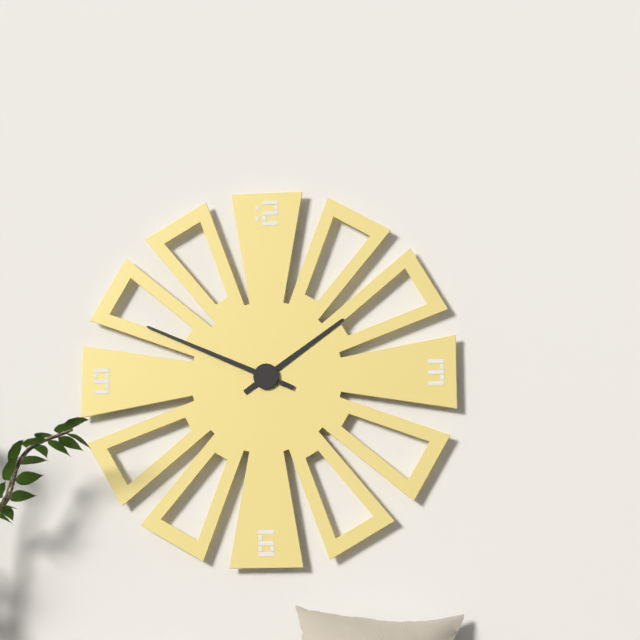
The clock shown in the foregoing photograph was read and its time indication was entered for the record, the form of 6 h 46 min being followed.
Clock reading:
1 h 49 min
